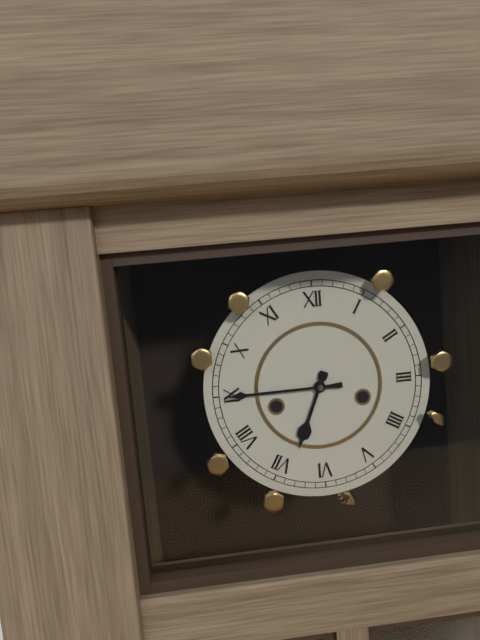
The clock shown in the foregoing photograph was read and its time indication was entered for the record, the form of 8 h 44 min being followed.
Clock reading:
6 h 45 min
